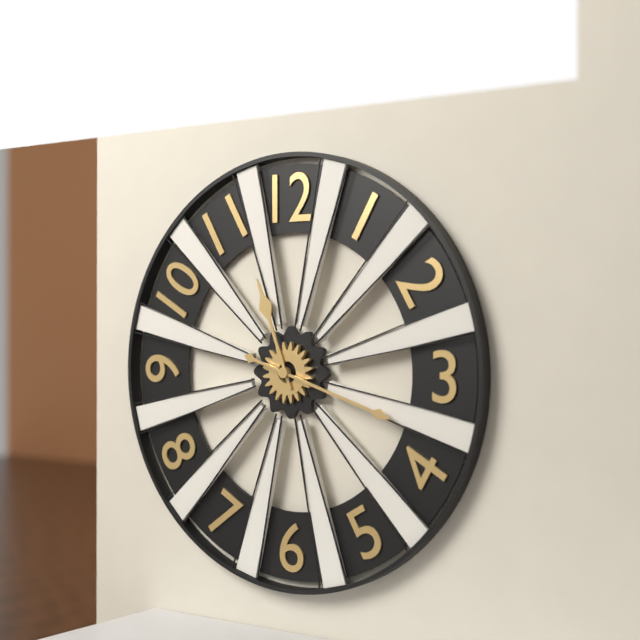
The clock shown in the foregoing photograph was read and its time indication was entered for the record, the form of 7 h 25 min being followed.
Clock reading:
11 h 18 min
